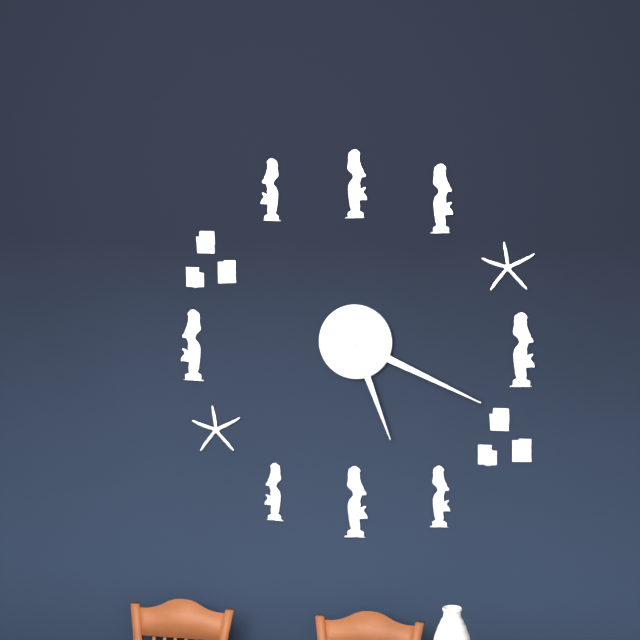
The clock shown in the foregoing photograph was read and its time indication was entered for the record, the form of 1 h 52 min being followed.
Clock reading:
5 h 19 min
